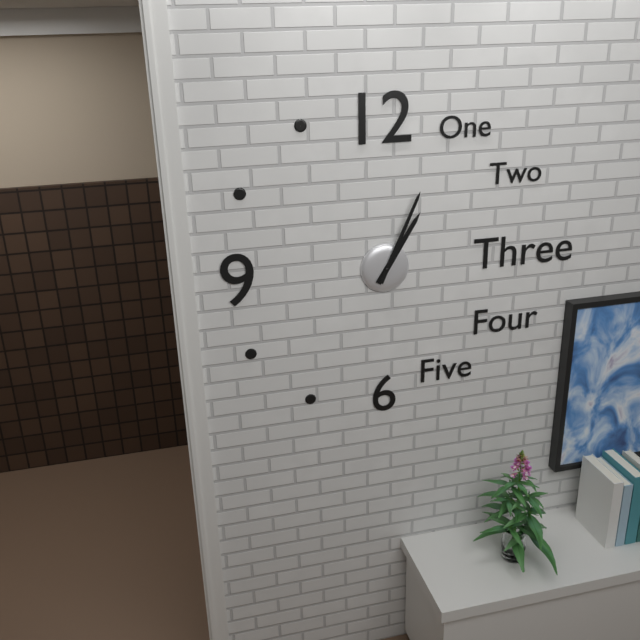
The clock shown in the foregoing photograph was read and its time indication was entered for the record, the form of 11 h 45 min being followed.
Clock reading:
1 h 04 min
